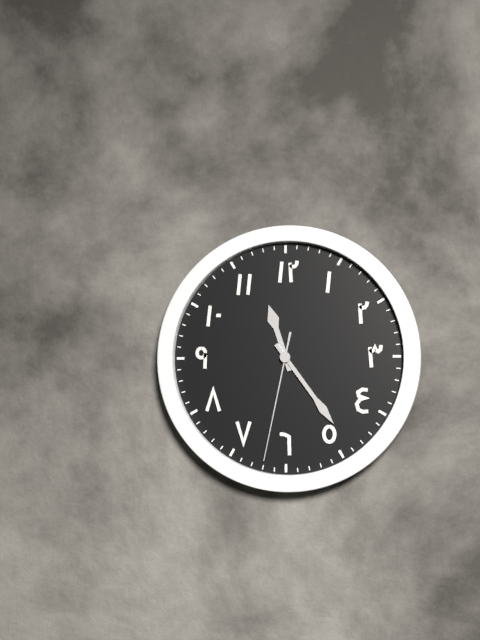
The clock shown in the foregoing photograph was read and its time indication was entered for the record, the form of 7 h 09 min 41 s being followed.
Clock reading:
11 h 24 min 32 s
